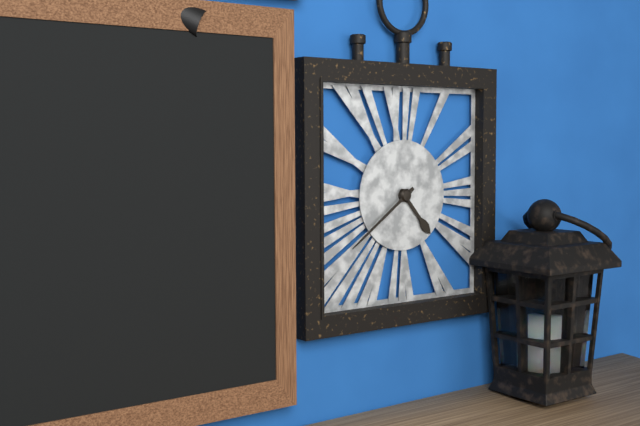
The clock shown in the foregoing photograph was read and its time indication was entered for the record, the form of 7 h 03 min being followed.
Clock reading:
4 h 39 min
